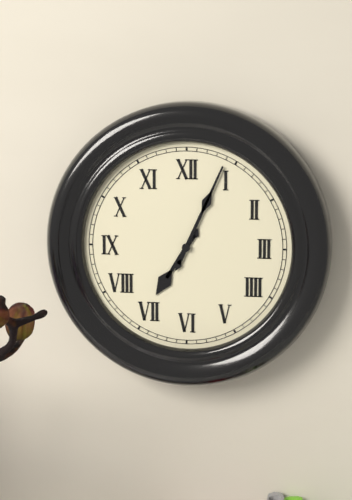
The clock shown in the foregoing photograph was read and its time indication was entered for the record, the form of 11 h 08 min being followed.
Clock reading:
7 h 04 min
